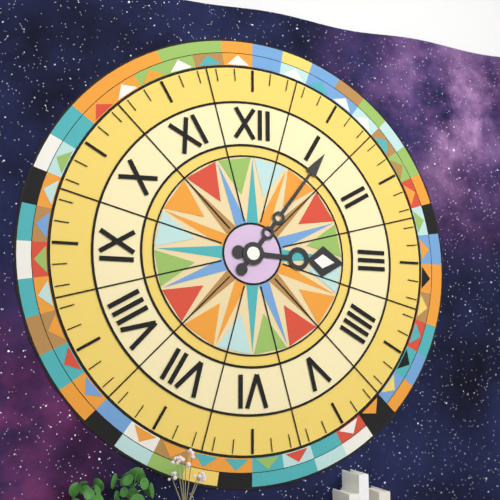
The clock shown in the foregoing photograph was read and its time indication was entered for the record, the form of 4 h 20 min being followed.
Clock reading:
3 h 06 min
